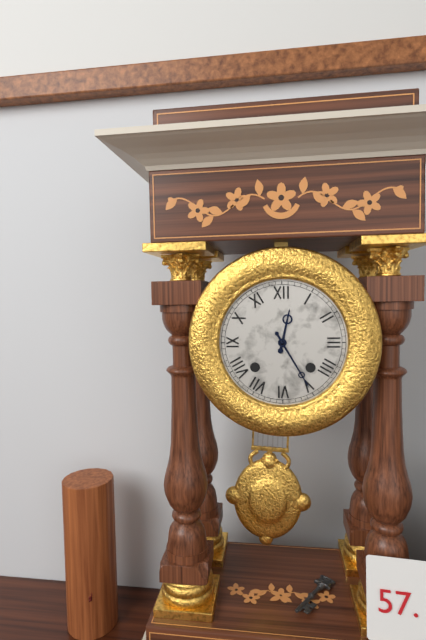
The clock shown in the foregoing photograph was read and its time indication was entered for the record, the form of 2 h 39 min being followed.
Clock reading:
12 h 25 min
